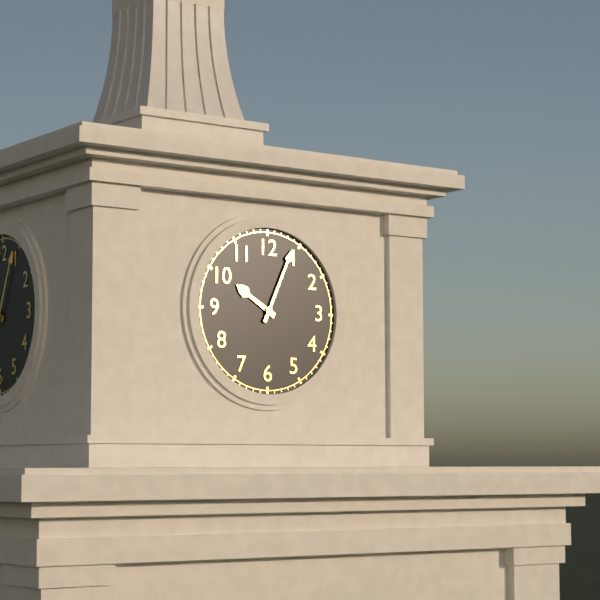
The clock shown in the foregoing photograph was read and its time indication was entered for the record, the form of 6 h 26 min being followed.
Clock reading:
10 h 04 min
